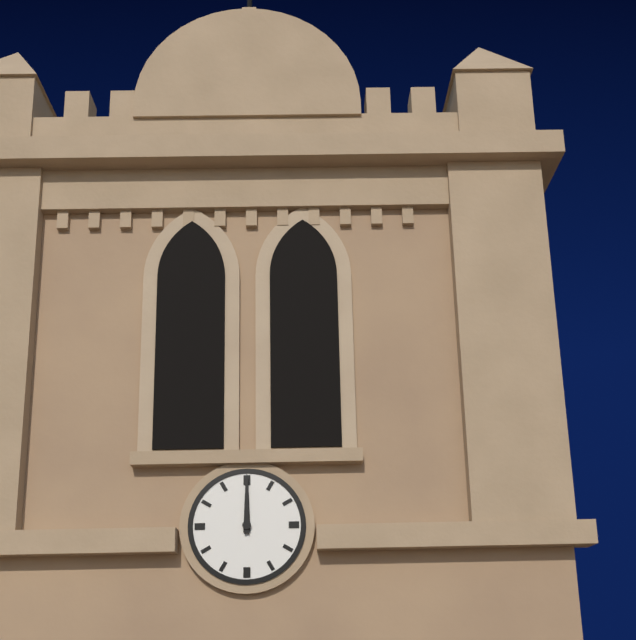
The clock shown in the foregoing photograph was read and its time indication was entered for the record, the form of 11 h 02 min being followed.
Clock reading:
12 h 00 min
